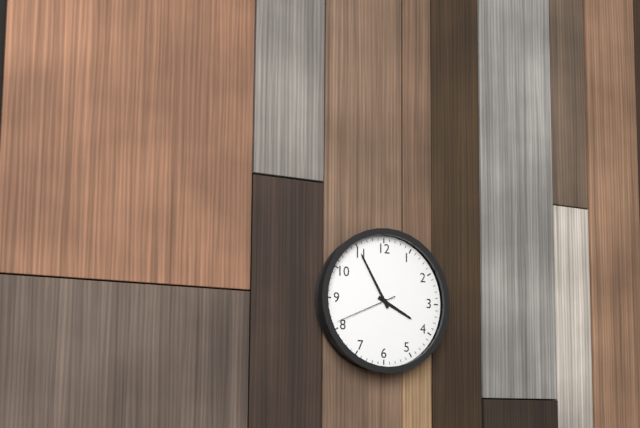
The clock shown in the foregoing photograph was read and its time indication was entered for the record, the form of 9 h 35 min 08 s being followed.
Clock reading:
3 h 55 min 41 s
